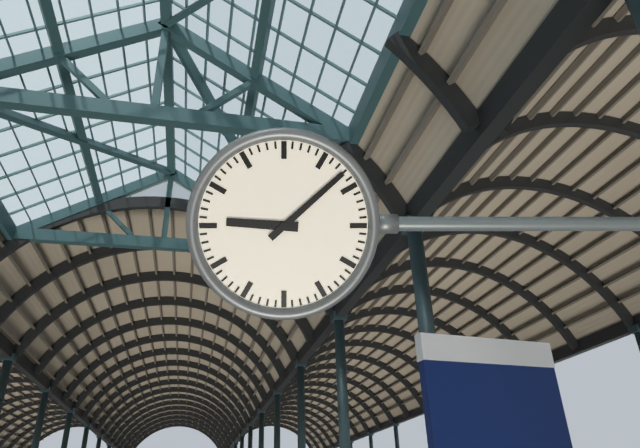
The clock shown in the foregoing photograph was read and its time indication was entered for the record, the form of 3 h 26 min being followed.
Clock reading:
9 h 08 min
